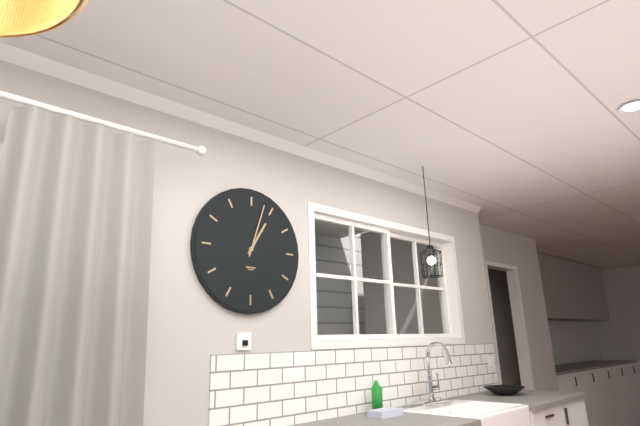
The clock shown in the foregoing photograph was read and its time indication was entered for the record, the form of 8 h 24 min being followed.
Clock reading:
1 h 03 min
